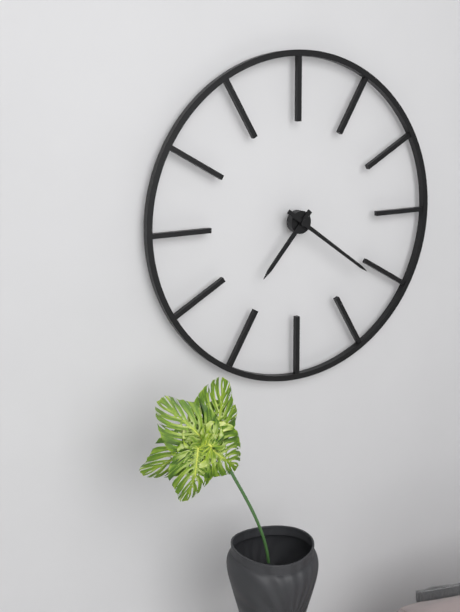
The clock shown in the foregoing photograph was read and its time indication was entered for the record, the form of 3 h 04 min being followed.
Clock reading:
7 h 21 min
